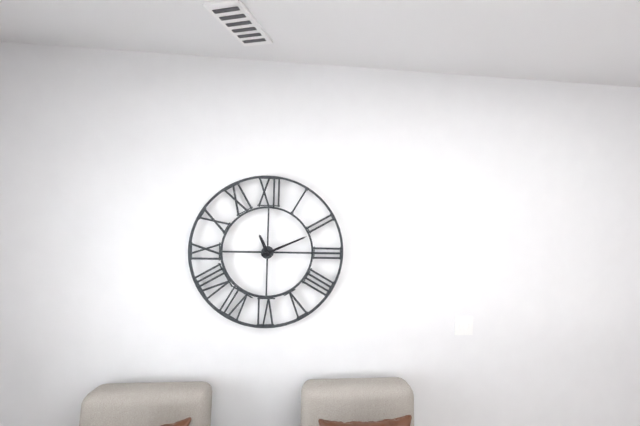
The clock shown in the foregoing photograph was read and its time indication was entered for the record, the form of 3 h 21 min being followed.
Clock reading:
11 h 11 min
